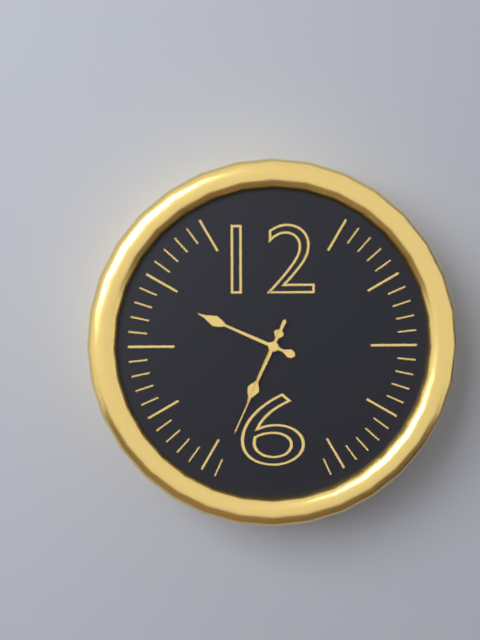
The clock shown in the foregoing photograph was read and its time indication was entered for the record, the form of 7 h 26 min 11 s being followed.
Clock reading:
6 h 49 min 34 s
